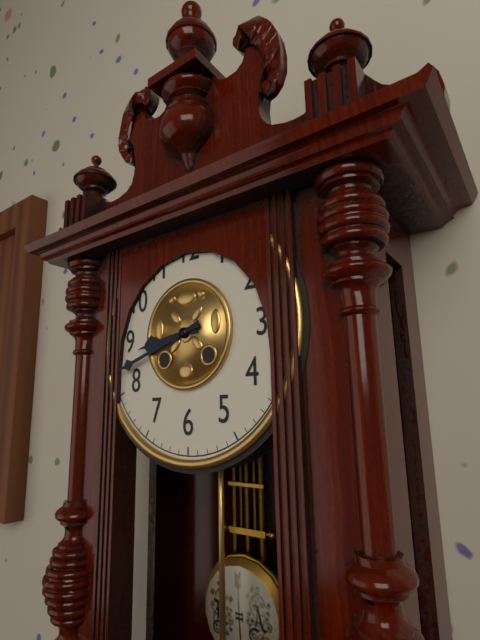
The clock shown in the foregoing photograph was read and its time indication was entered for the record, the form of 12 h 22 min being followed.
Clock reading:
8 h 42 min
